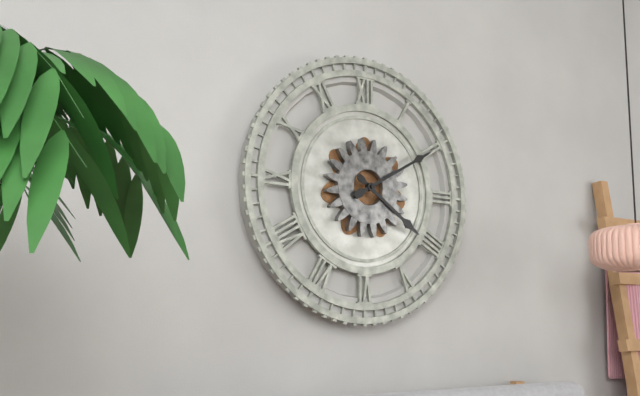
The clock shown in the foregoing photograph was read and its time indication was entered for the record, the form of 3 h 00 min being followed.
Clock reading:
4 h 10 min
